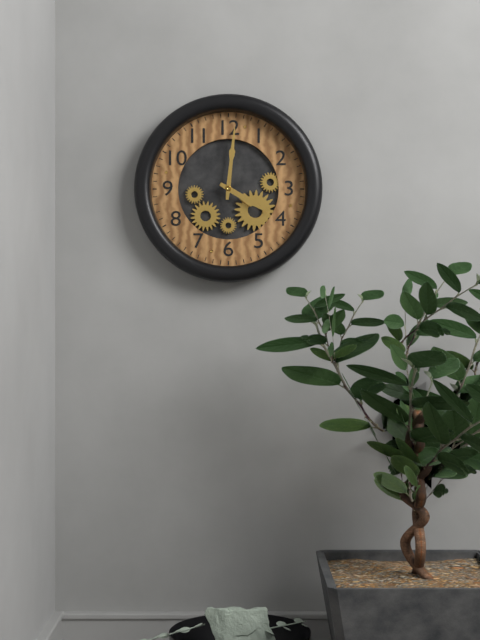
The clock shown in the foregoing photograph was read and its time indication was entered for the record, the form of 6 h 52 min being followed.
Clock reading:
4 h 01 min
